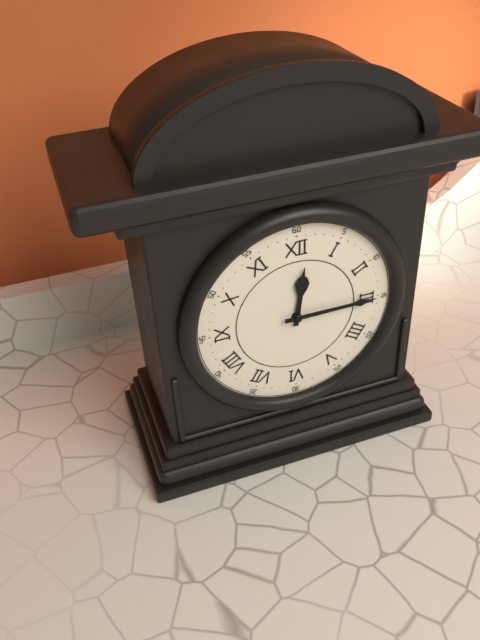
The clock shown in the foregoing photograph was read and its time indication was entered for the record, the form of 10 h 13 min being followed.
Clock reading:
12 h 15 min
